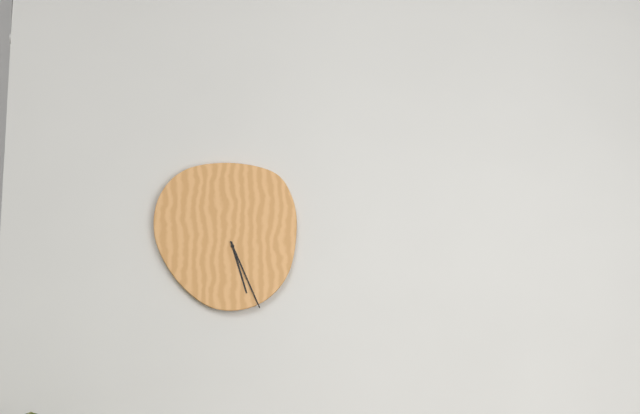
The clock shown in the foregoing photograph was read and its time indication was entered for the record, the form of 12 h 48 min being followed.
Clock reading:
5 h 26 min
